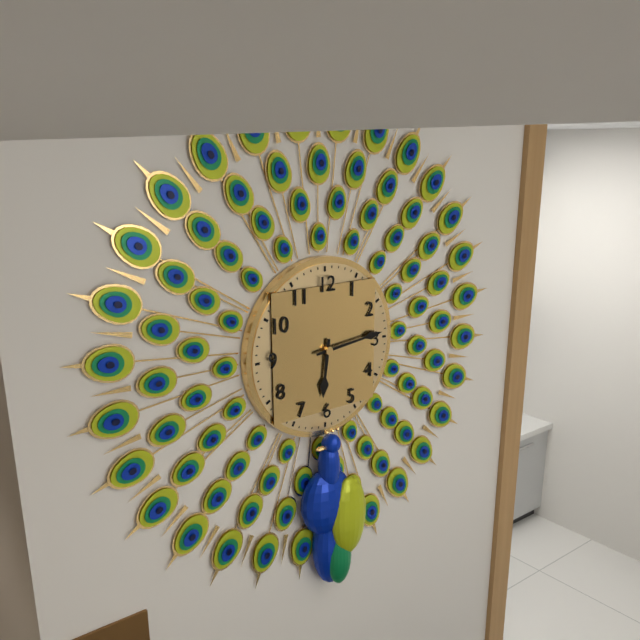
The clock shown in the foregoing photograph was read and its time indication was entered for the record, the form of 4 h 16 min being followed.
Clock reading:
6 h 14 min
